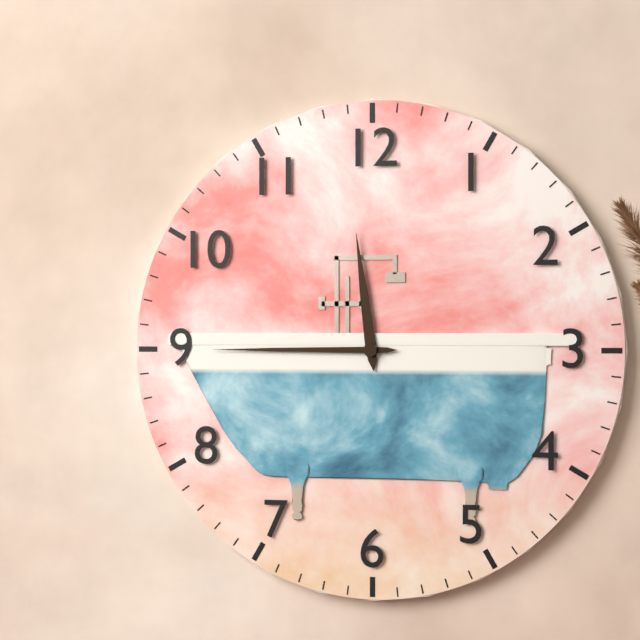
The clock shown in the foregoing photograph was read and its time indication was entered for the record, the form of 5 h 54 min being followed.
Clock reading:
11 h 45 min
